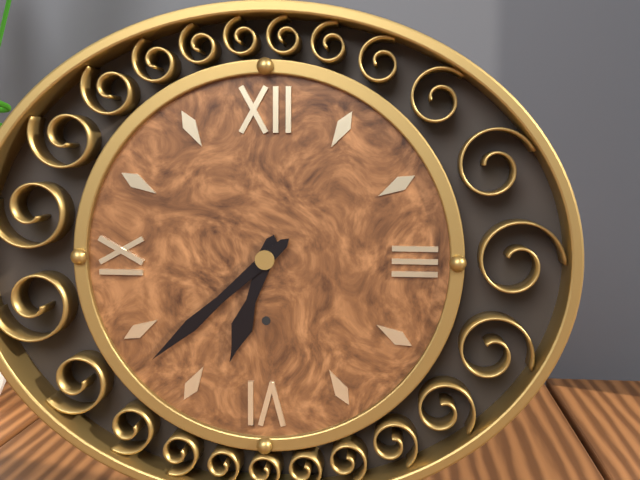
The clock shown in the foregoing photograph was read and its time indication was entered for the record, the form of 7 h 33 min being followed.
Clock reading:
6 h 38 min
